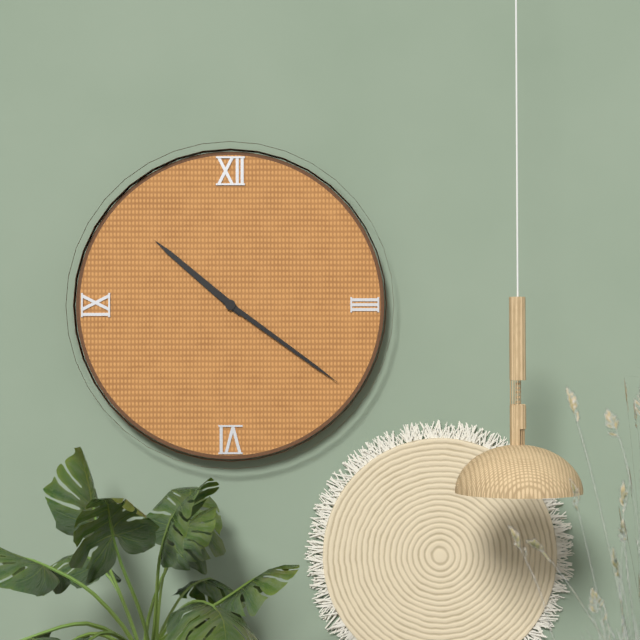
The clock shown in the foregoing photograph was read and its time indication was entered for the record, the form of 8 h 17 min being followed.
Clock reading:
10 h 21 min
